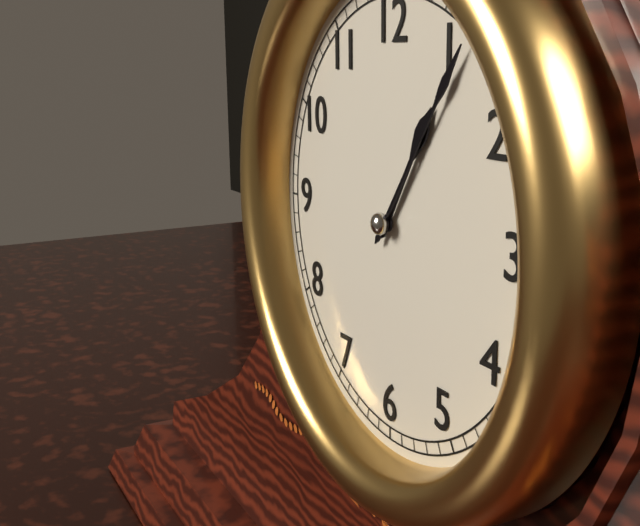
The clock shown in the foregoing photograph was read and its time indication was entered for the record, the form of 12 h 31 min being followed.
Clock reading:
1 h 06 min
